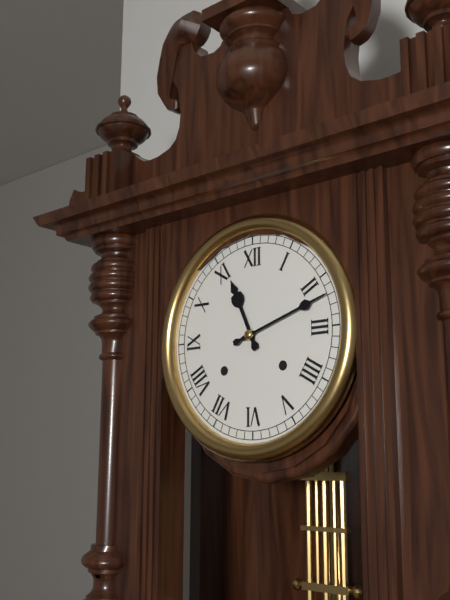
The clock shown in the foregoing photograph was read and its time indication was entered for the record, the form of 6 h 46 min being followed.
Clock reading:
11 h 12 min
